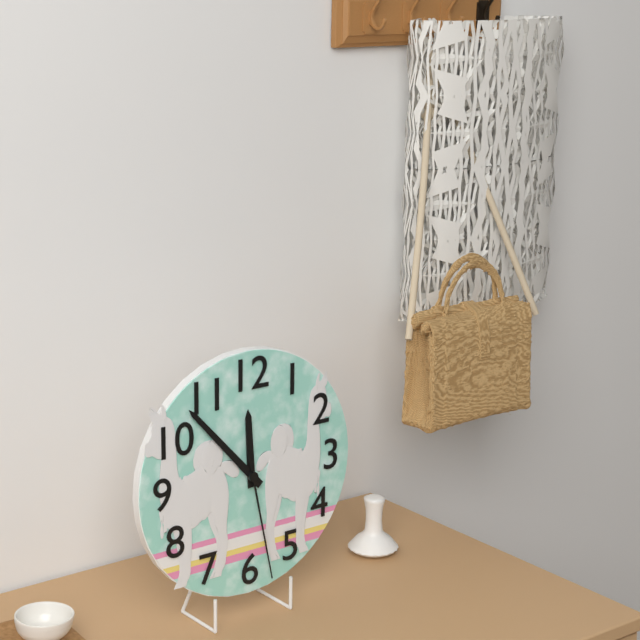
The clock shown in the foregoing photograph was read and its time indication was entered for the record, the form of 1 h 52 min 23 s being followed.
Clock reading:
11 h 53 min 28 s
